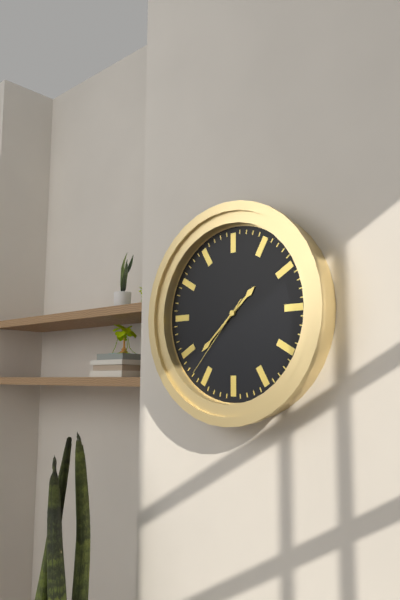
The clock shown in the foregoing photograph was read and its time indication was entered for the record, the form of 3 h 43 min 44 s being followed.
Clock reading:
1 h 38 min 37 s
